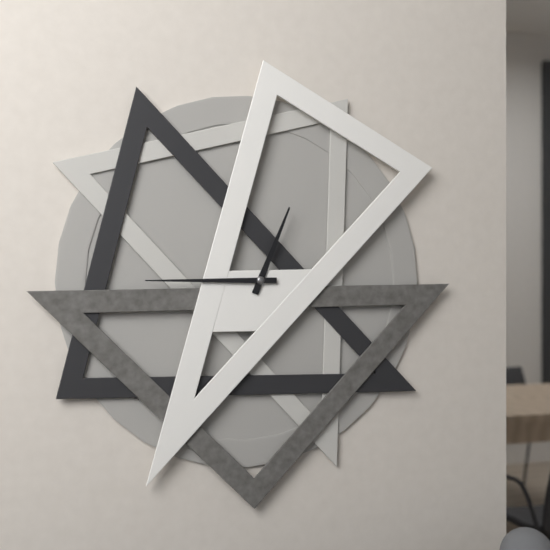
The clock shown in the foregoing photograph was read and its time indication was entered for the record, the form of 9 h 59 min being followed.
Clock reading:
12 h 45 min
